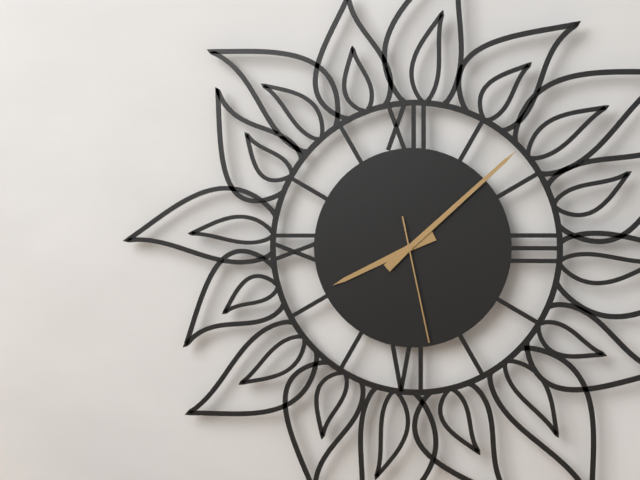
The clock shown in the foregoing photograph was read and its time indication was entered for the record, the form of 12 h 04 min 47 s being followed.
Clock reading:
8 h 08 min 28 s
